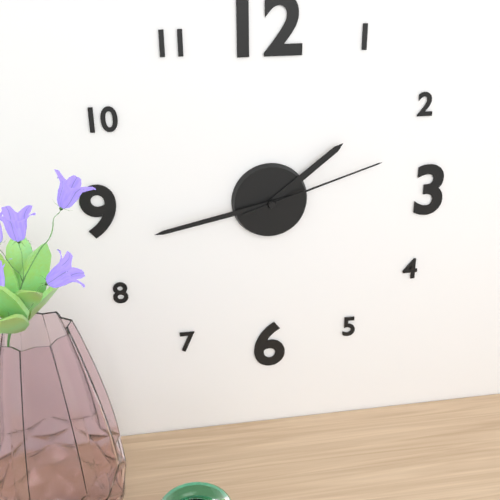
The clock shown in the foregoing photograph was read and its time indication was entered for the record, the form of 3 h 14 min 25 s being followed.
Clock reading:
1 h 43 min 12 s
